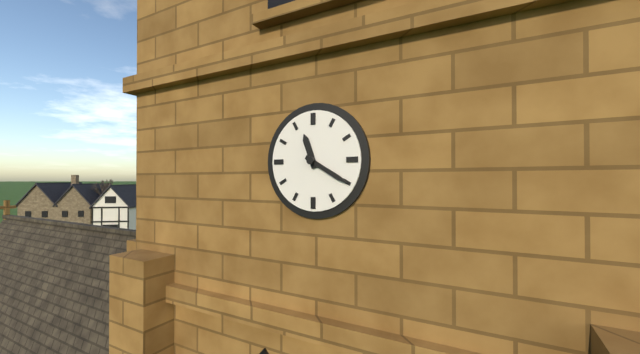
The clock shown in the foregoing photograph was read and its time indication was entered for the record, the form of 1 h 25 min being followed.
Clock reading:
11 h 20 min
